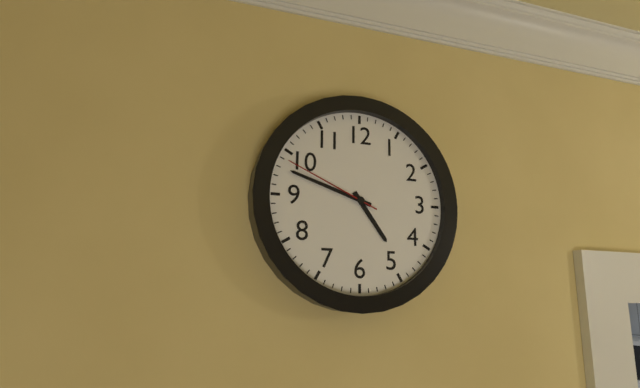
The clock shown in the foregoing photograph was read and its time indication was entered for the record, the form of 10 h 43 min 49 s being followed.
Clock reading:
4 h 48 min 49 s
